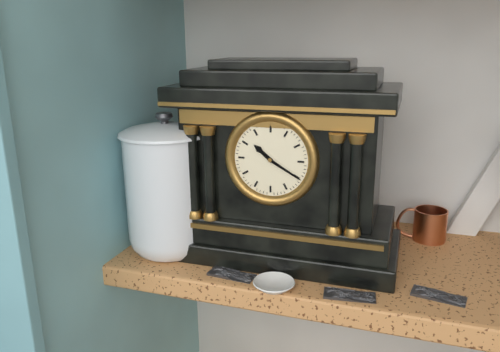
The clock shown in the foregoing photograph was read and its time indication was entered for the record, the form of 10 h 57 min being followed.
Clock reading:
10 h 20 min
